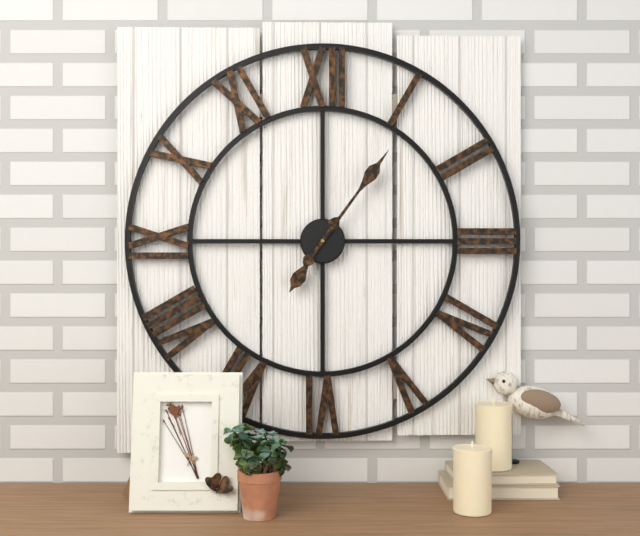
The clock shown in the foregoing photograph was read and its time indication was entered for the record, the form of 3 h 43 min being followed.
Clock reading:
7 h 06 min
